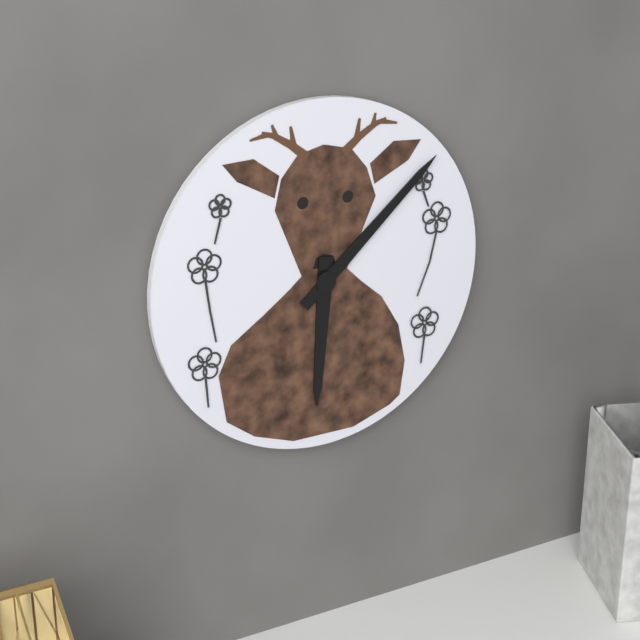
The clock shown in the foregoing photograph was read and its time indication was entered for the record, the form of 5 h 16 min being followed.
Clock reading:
6 h 08 min
